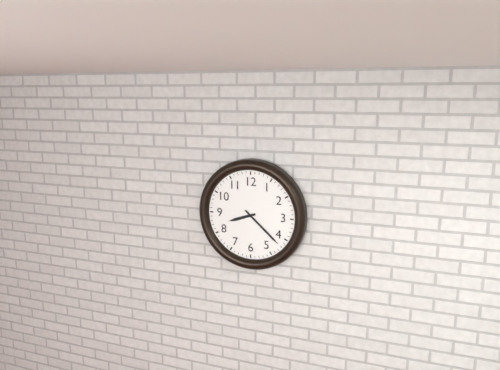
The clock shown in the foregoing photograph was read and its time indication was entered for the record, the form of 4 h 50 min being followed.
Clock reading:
8 h 22 min
